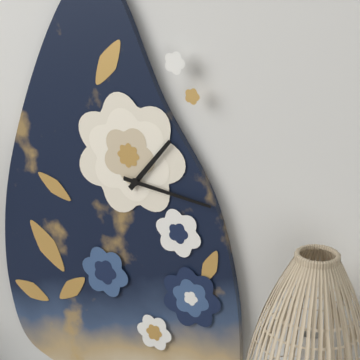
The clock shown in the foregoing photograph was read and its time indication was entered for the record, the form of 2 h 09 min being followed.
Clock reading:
1 h 16 min
